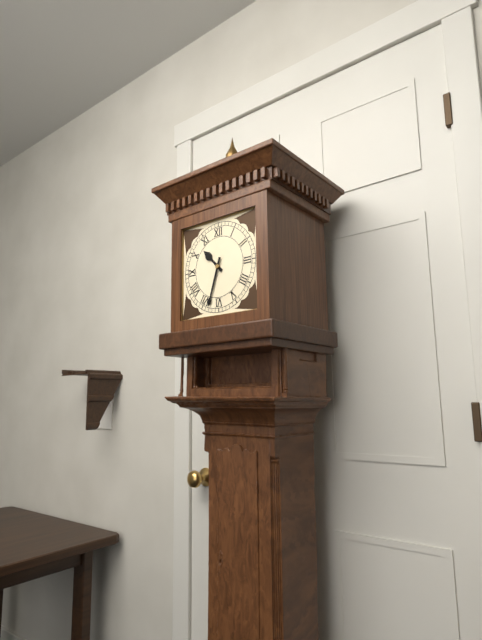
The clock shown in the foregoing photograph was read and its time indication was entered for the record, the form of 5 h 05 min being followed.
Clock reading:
10 h 33 min
